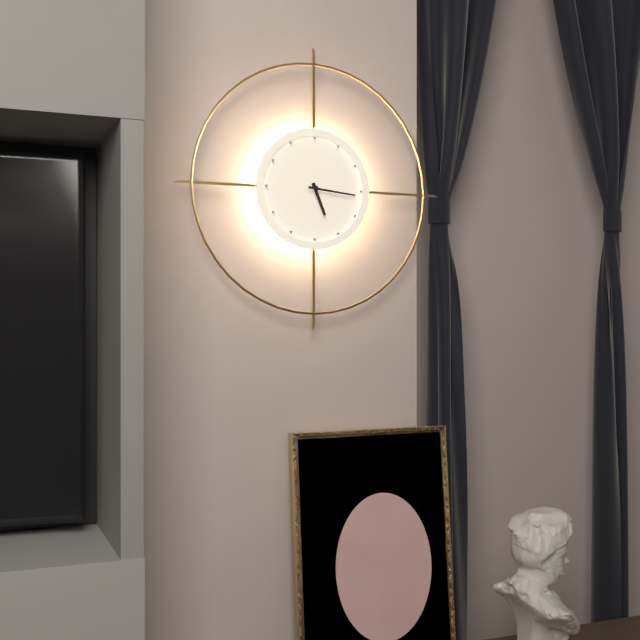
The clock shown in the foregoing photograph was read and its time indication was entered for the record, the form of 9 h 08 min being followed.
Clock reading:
5 h 16 min
